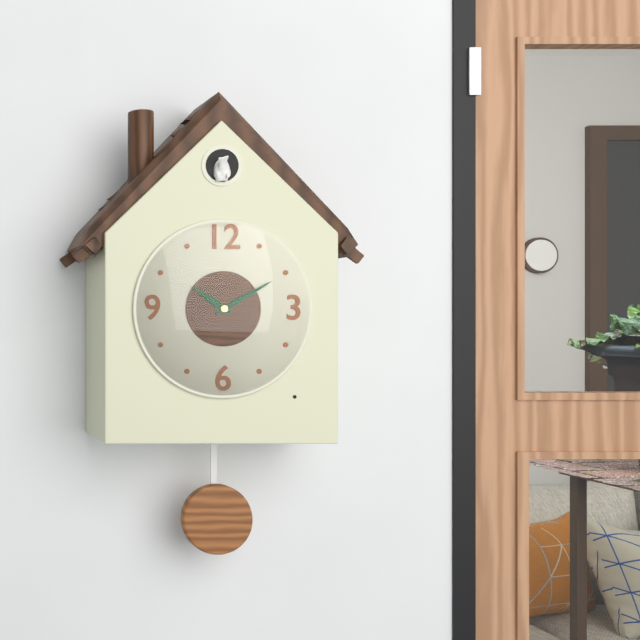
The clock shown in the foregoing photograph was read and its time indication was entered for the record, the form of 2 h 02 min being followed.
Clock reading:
10 h 10 min
